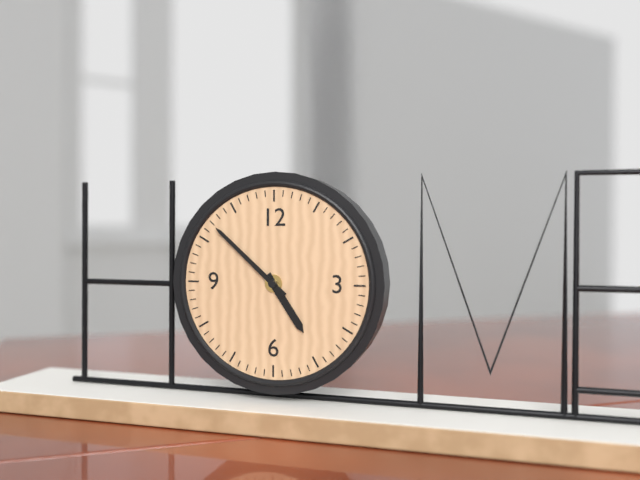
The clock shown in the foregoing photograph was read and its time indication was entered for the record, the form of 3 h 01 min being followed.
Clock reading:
4 h 52 min
